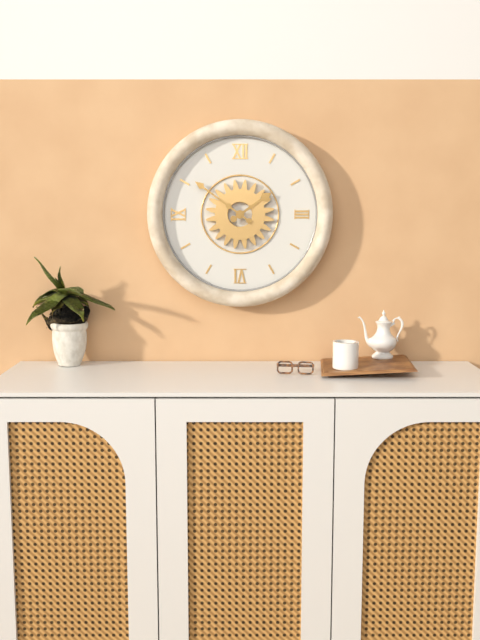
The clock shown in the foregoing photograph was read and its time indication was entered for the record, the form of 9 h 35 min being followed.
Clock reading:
1 h 51 min
